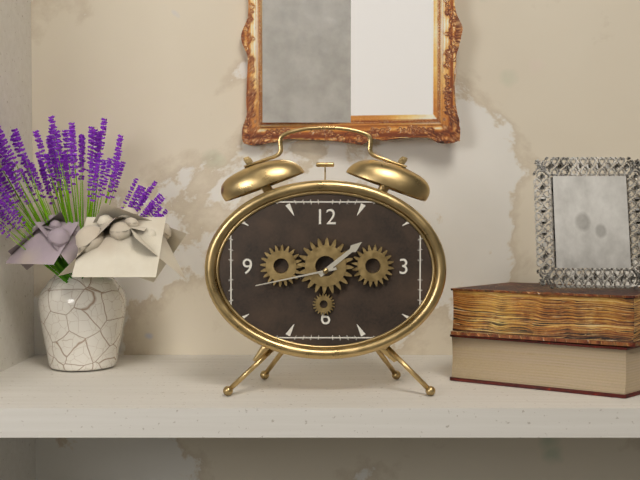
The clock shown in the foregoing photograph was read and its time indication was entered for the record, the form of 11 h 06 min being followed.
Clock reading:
1 h 43 min
